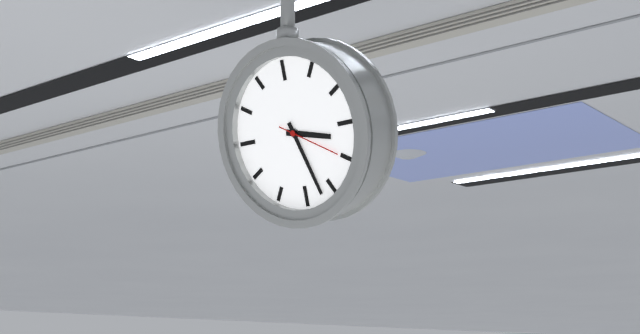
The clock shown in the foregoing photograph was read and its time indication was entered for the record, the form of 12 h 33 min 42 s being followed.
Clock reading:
3 h 27 min 20 s
